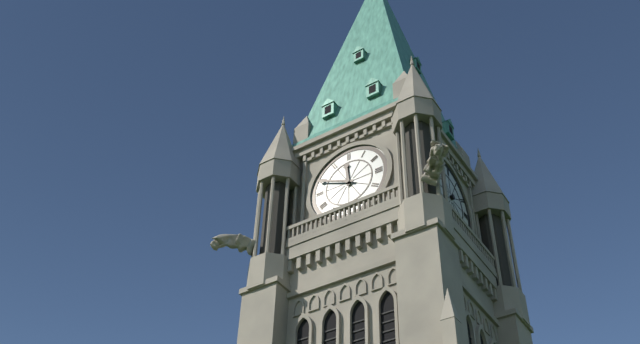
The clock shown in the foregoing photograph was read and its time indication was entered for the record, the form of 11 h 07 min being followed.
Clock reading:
11 h 49 min
